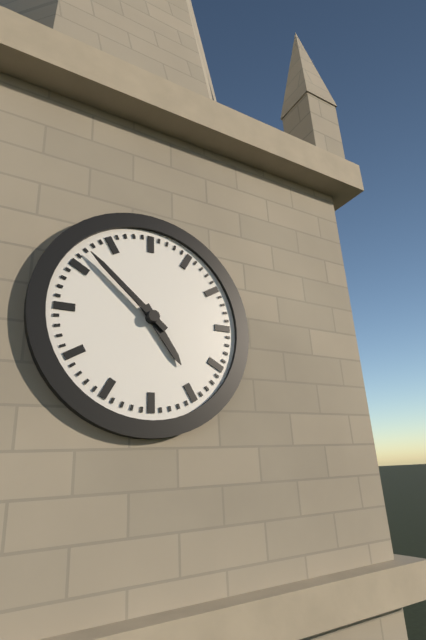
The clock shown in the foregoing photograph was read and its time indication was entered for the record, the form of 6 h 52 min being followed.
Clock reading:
4 h 52 min
